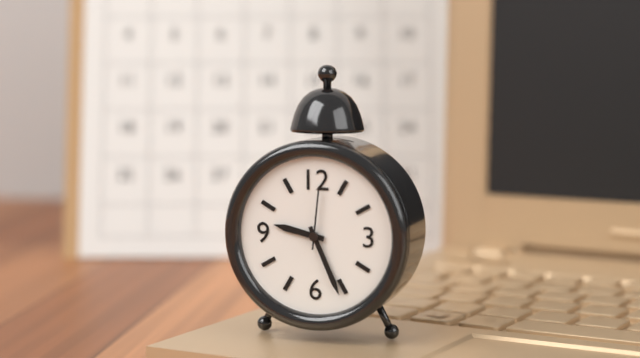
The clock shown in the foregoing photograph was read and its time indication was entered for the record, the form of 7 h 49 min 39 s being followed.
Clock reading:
9 h 26 min 01 s
